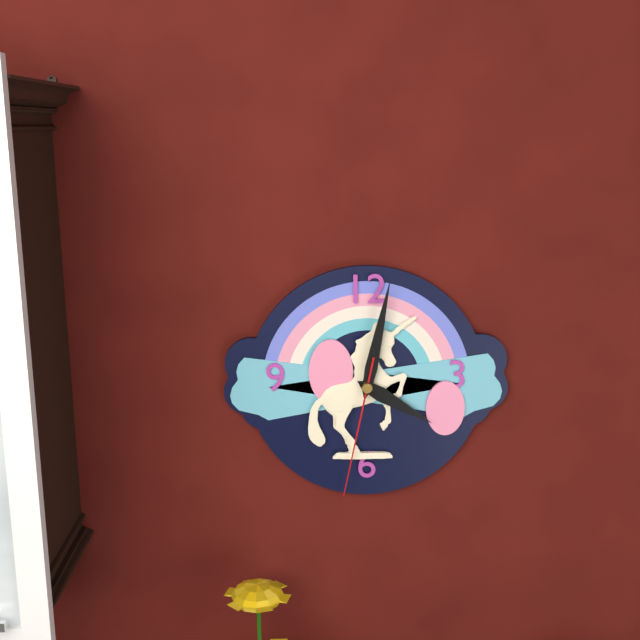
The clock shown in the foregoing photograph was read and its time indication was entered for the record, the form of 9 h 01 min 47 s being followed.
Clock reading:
4 h 02 min 32 s
